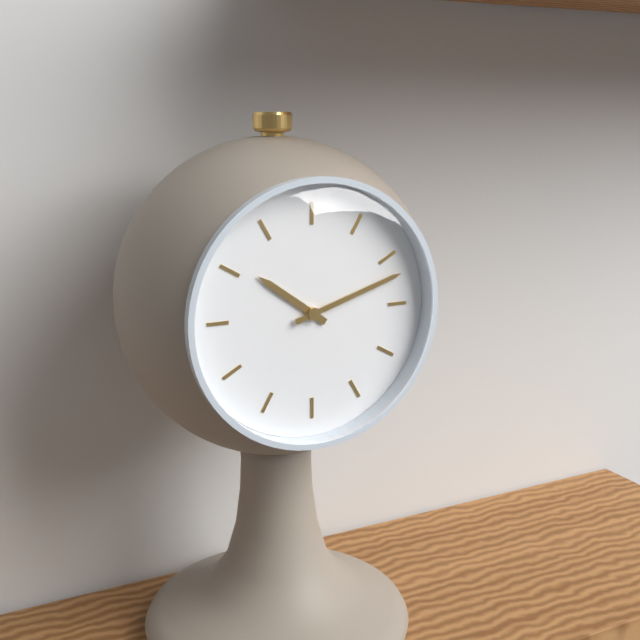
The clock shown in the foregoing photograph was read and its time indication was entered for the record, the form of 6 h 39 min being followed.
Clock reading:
10 h 12 min
